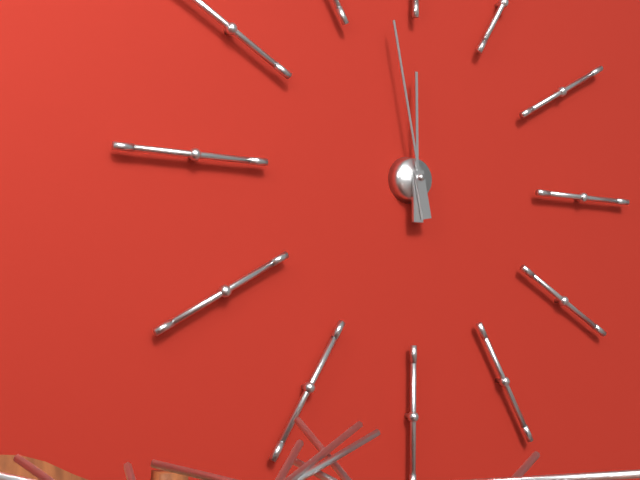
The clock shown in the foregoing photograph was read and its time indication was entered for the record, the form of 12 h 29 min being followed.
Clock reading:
11 h 58 min
